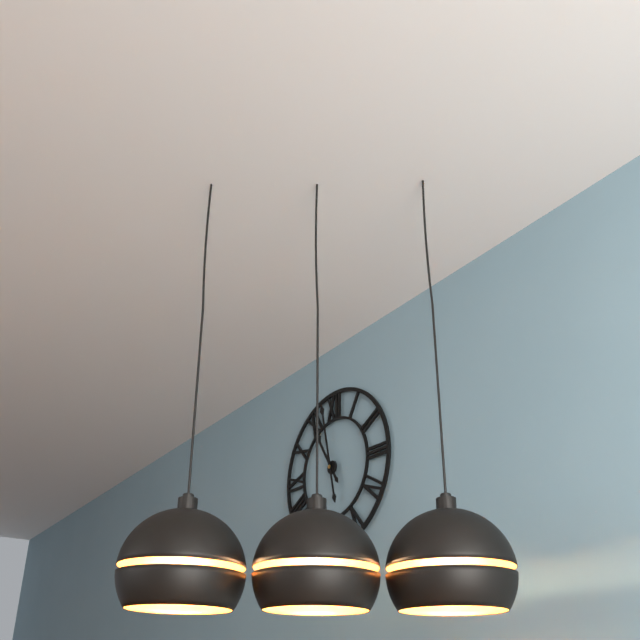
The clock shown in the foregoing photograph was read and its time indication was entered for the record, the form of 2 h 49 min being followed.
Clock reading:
10 h 58 min
